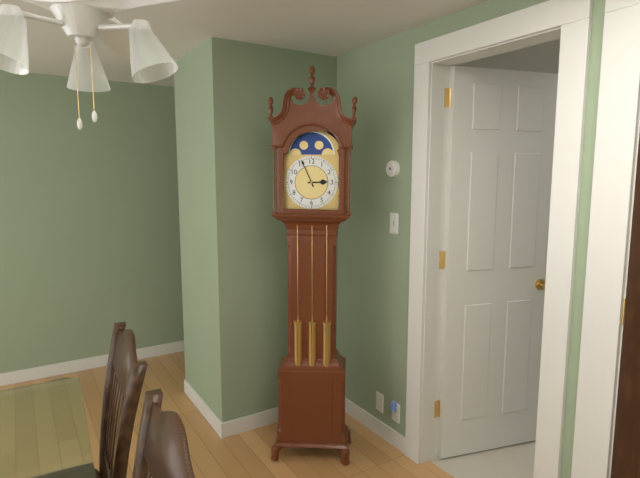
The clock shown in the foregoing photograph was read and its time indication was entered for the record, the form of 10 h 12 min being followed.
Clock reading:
2 h 56 min
